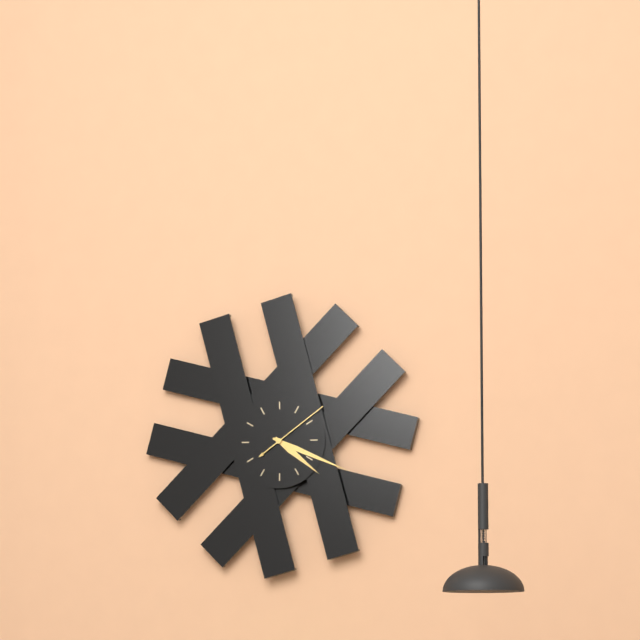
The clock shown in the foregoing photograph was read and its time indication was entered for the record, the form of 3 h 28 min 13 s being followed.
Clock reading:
4 h 19 min 09 s
